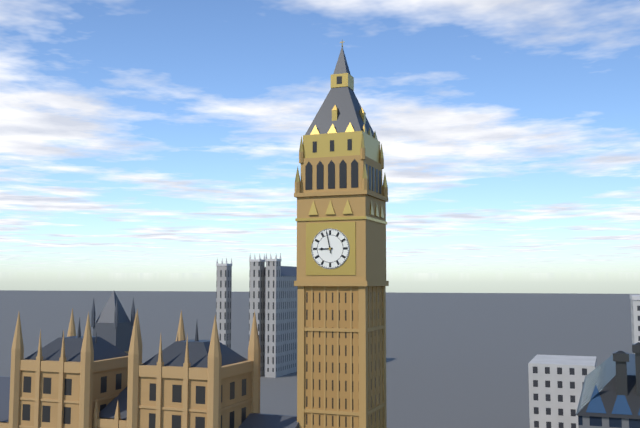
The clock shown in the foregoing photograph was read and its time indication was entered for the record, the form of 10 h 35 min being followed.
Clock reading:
8 h 58 min
